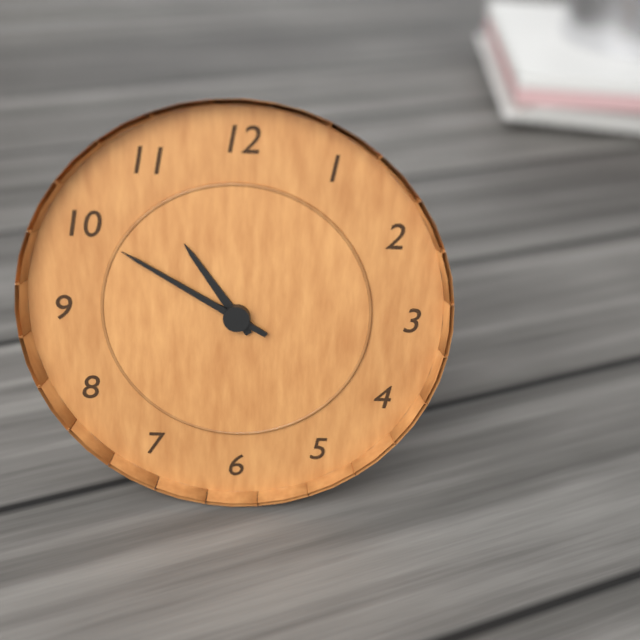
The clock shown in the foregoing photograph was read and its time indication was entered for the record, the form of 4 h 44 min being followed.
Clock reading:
10 h 50 min
